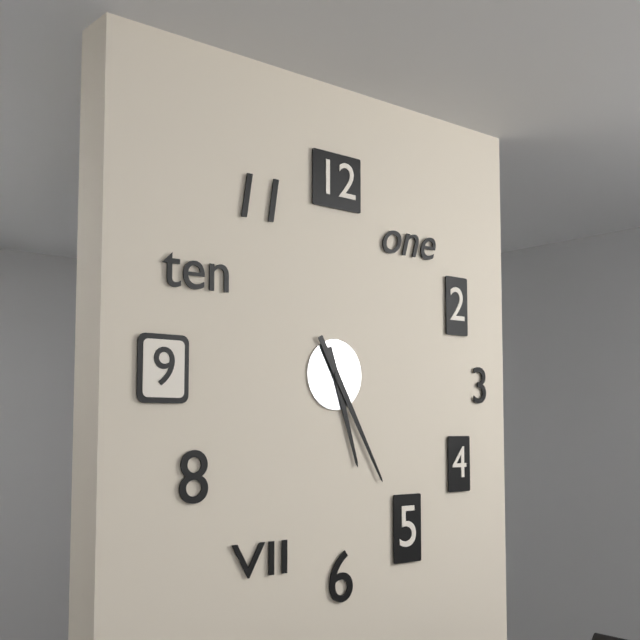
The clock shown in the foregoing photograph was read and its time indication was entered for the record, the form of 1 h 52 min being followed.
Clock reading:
5 h 25 min
